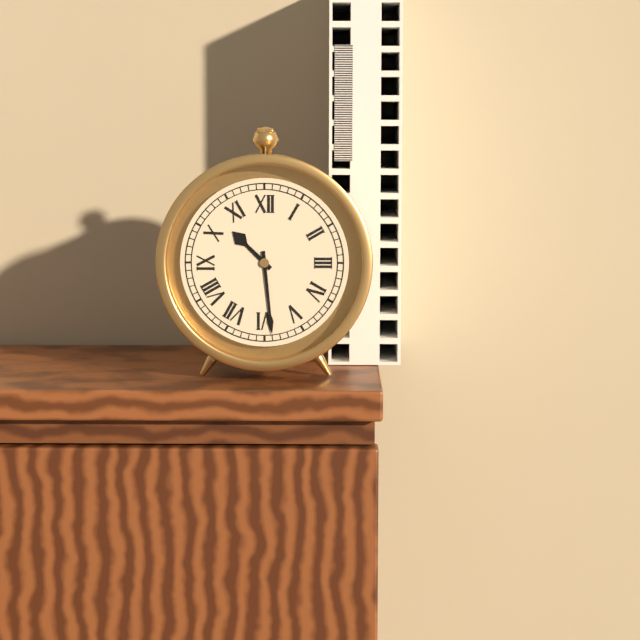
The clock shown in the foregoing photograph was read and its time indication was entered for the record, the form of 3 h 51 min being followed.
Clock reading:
10 h 29 min
